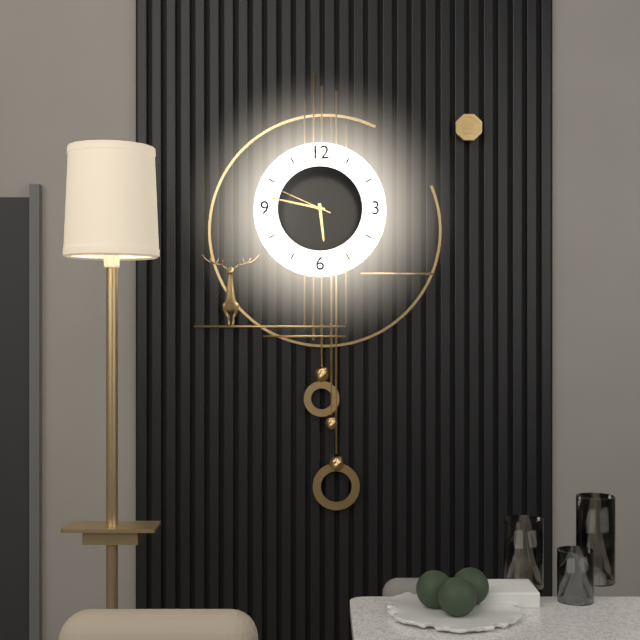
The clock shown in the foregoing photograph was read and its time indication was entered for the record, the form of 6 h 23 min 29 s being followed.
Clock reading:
5 h 47 min 49 s
